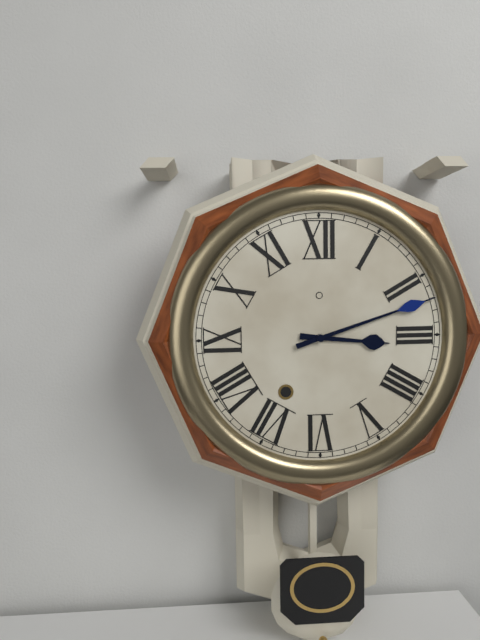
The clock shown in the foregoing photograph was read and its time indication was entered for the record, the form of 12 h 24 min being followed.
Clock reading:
3 h 12 min
